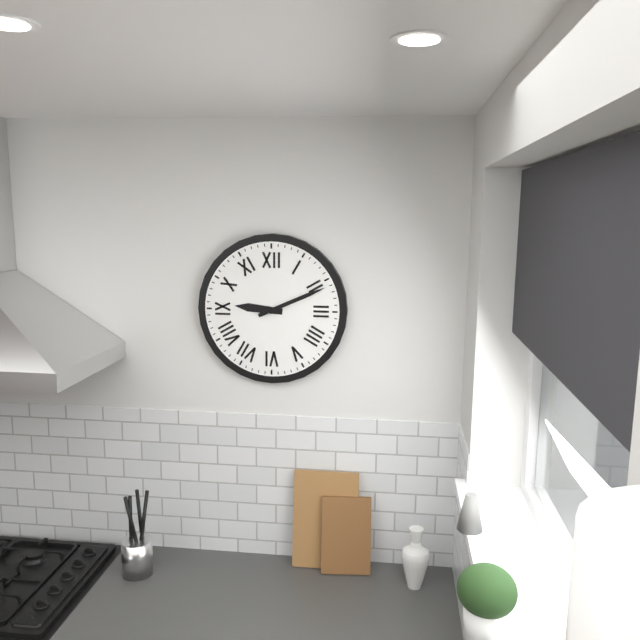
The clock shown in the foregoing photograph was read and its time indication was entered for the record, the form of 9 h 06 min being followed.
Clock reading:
9 h 11 min
